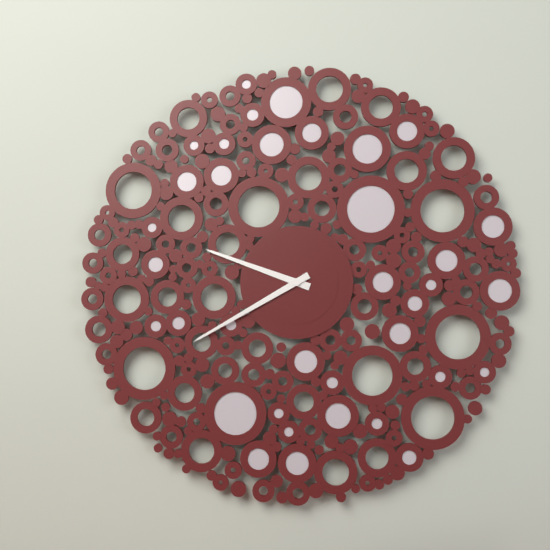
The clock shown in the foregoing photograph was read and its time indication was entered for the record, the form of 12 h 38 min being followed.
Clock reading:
9 h 40 min
